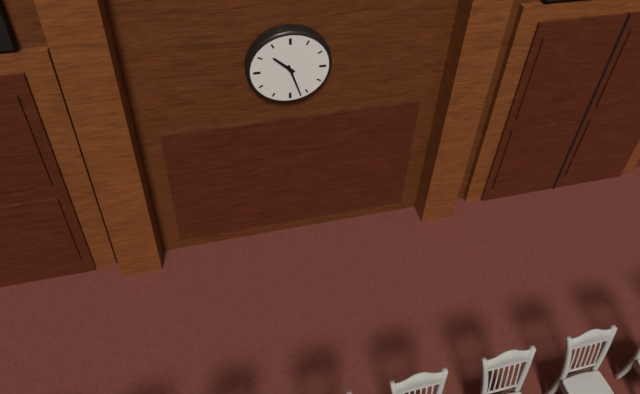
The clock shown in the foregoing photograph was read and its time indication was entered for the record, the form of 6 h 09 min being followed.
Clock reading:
10 h 27 min
